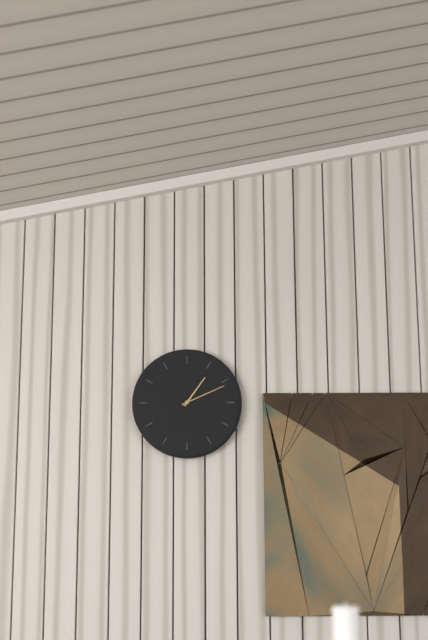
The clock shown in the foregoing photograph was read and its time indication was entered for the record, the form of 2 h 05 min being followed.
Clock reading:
1 h 11 min
